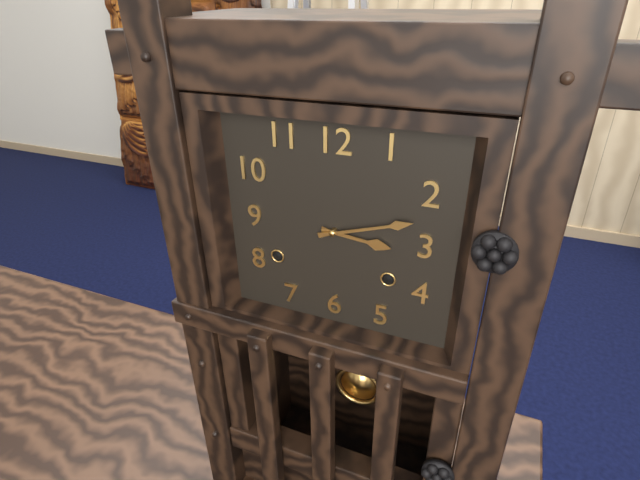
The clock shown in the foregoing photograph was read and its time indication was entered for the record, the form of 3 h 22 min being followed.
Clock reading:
3 h 12 min
